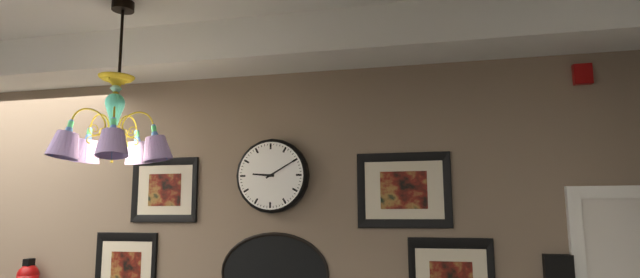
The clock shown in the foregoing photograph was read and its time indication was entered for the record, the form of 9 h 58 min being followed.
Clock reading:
9 h 10 min
